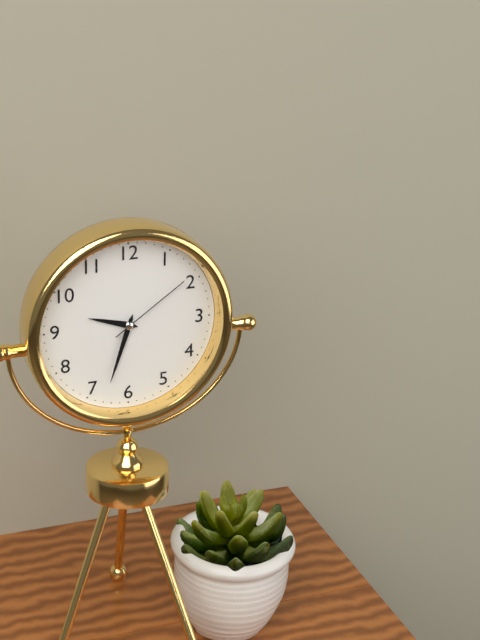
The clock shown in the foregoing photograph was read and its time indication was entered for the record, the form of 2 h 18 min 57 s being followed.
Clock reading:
9 h 33 min 09 s
